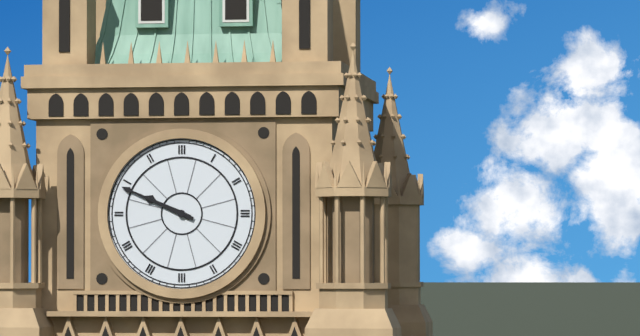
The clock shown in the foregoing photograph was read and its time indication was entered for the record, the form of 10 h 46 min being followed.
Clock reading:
9 h 49 min
